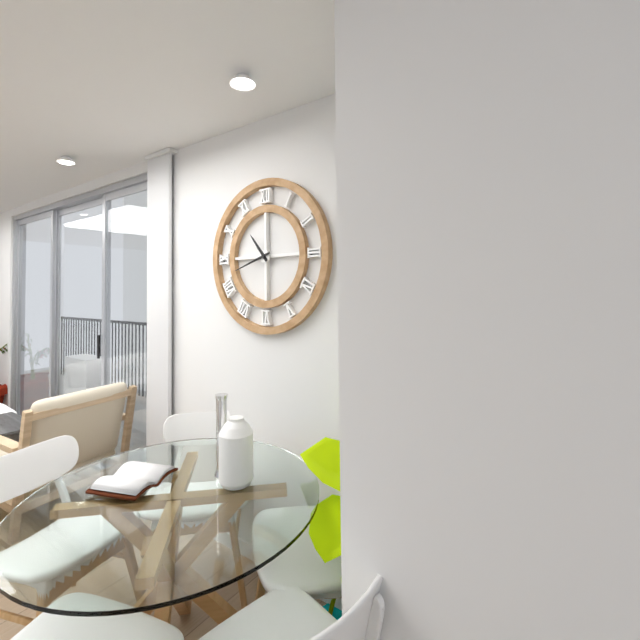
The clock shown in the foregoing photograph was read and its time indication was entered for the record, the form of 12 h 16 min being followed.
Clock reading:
10 h 42 min
